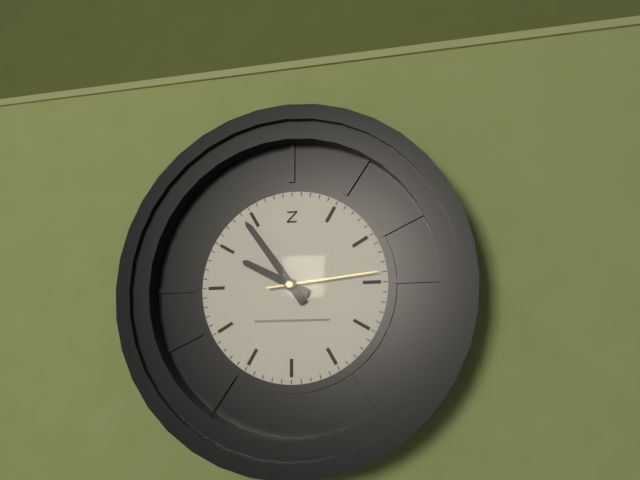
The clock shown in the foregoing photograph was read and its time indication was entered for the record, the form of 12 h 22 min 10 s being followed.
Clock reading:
9 h 54 min 14 s
